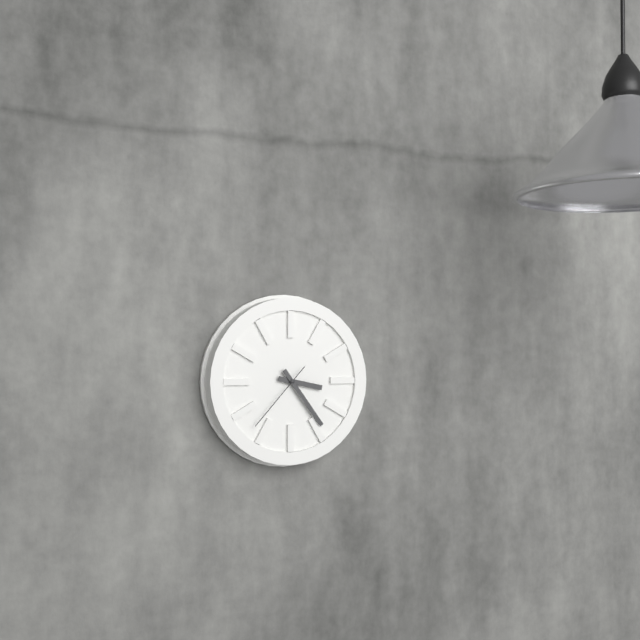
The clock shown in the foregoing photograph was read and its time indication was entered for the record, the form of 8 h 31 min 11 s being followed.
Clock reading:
3 h 24 min 37 s
